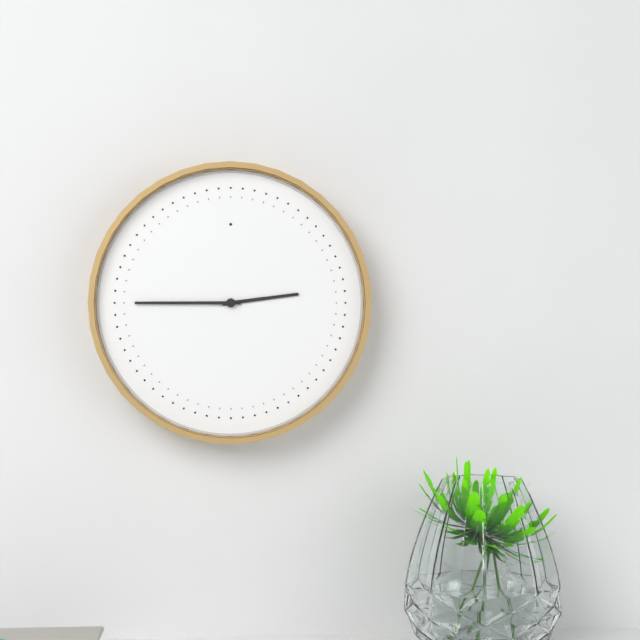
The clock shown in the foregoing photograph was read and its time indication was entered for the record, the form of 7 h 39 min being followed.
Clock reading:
2 h 45 min
